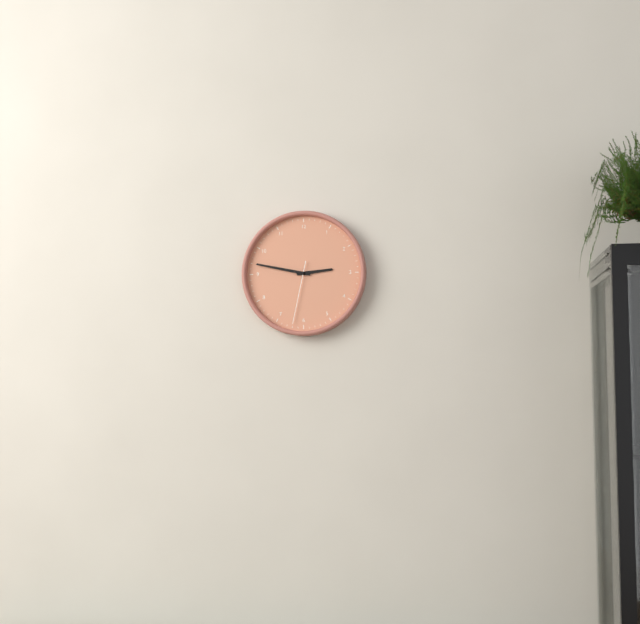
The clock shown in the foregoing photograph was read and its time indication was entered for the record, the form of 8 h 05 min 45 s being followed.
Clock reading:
2 h 47 min 32 s
